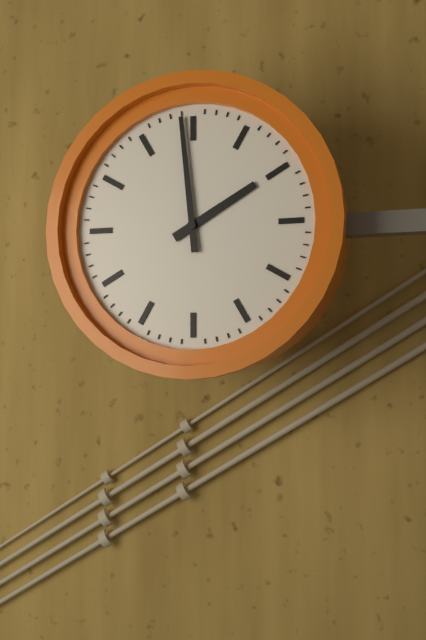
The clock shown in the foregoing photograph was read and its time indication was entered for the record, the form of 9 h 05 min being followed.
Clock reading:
1 h 59 min
